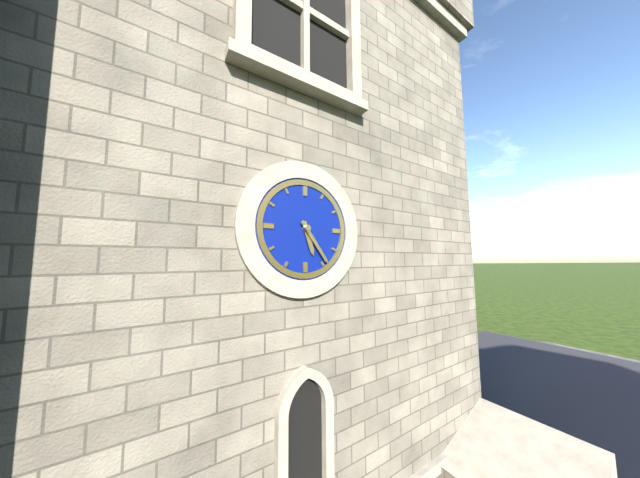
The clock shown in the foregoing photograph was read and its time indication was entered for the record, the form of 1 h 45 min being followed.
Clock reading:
5 h 24 min
